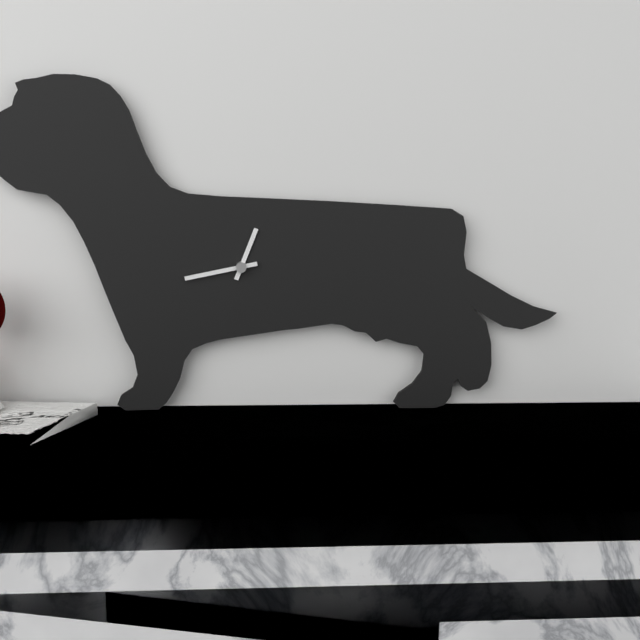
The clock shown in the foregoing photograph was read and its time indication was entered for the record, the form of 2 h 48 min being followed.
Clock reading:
12 h 43 min
